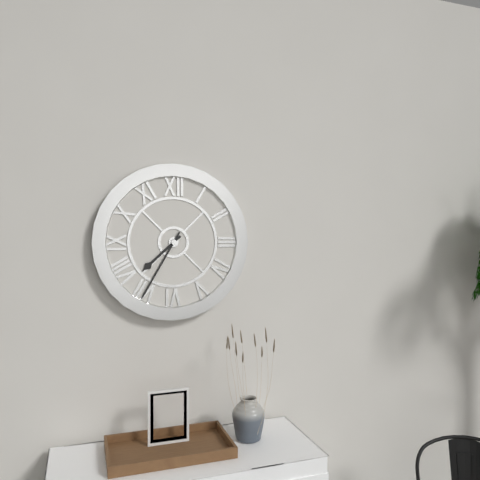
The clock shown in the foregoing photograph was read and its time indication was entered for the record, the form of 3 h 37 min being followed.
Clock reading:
7 h 35 min
